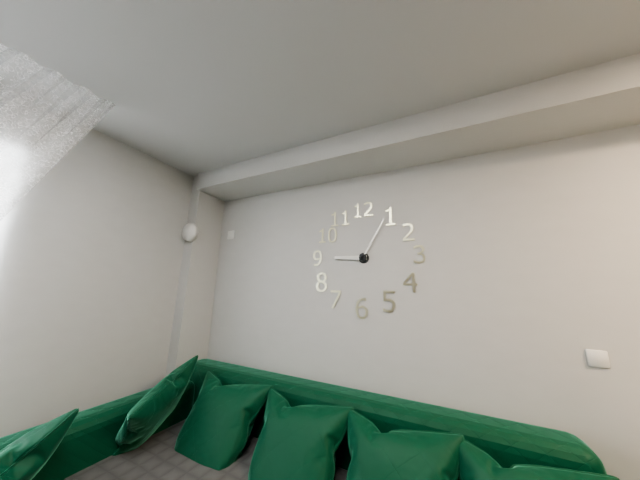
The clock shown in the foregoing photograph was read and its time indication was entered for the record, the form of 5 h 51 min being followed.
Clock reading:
9 h 05 min
